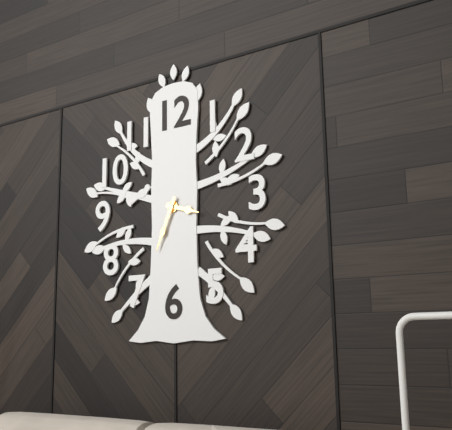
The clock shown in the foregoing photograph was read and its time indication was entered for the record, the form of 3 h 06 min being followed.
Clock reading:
3 h 34 min
